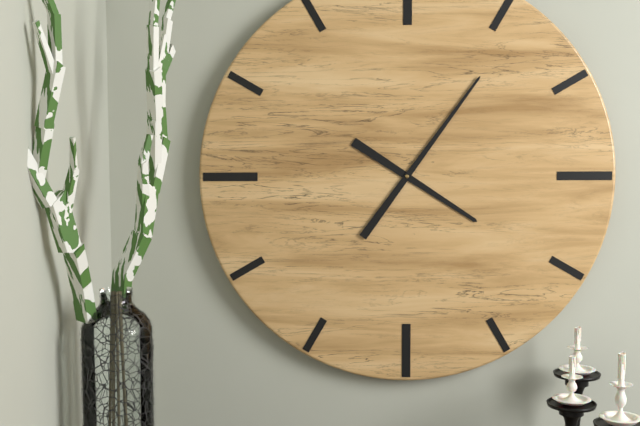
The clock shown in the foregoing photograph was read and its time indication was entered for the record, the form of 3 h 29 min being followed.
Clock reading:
4 h 06 min
